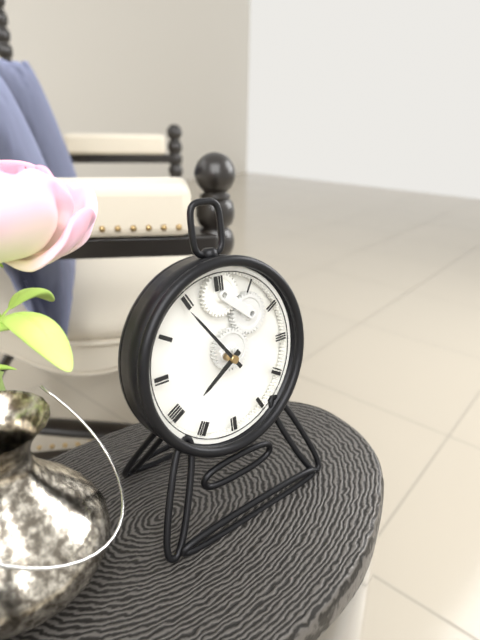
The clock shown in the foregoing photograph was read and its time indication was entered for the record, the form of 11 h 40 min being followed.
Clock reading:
7 h 54 min
